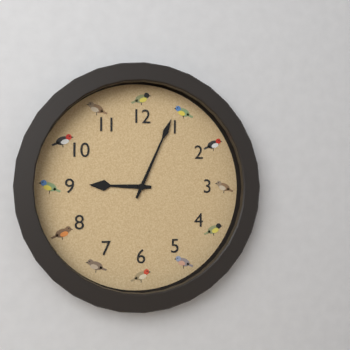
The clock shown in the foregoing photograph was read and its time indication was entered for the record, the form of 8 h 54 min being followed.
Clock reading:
9 h 04 min
